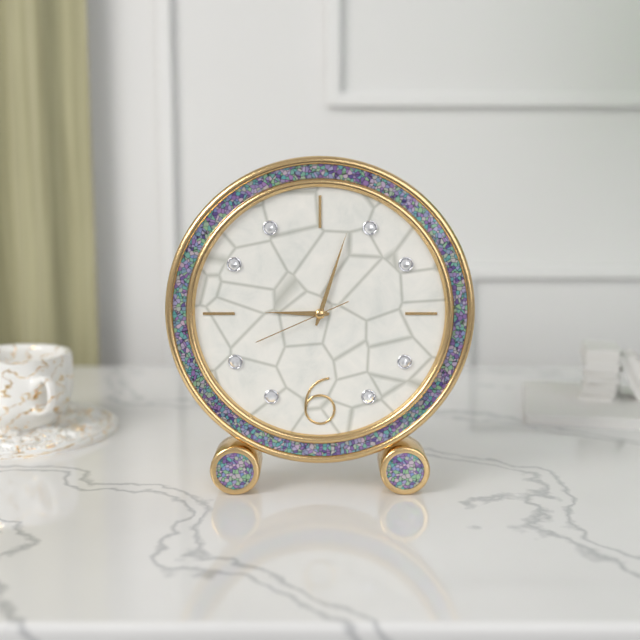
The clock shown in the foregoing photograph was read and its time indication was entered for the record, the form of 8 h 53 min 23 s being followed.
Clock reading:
9 h 03 min 41 s
